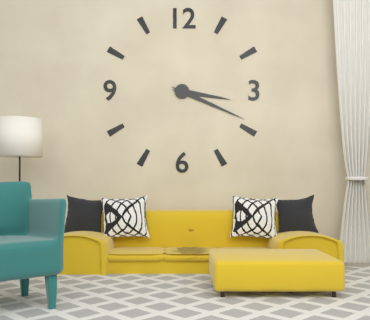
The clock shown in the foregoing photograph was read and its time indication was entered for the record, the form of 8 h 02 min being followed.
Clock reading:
3 h 19 min
